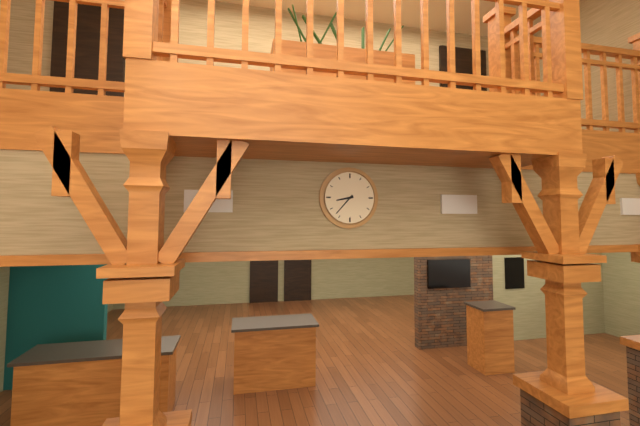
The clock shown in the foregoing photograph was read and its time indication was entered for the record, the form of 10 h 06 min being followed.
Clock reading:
8 h 37 min
